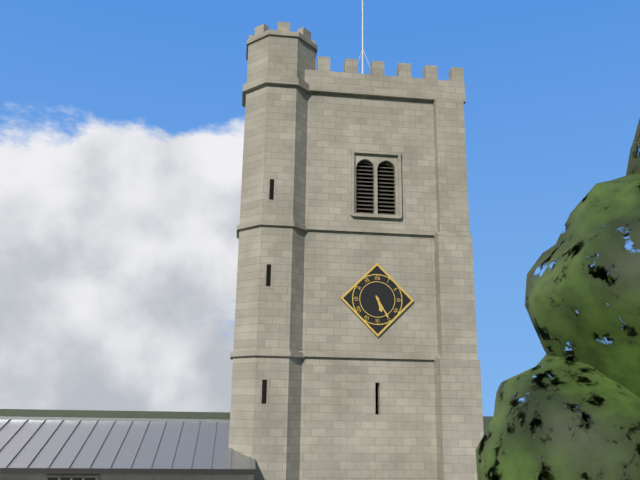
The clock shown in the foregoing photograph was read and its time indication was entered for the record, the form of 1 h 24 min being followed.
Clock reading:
5 h 25 min
